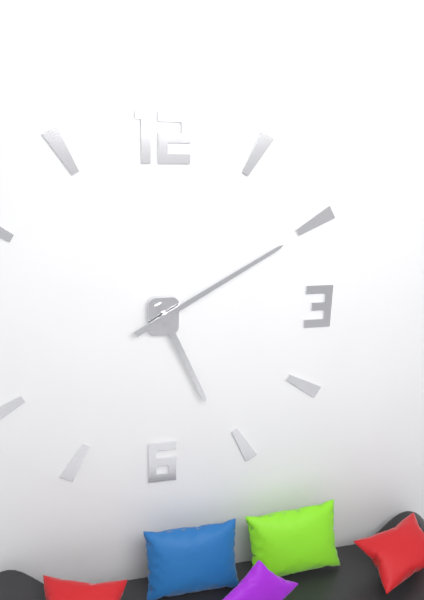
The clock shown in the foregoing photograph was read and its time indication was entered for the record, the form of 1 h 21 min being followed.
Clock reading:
5 h 10 min
